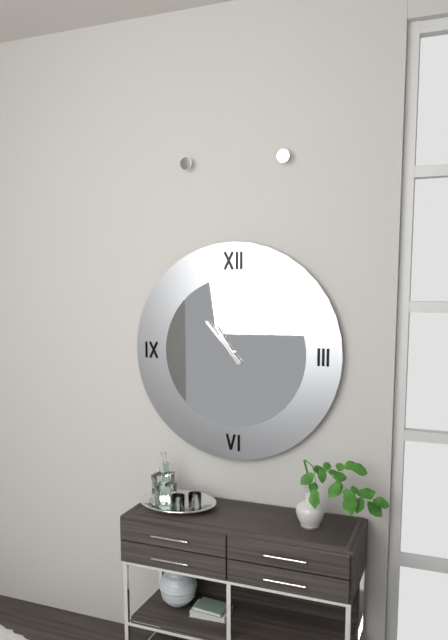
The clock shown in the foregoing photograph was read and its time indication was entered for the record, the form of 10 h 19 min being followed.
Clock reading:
10 h 53 min
